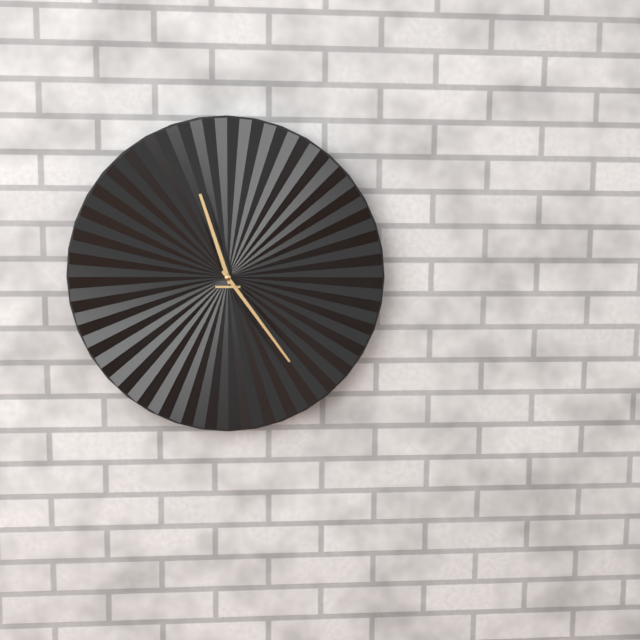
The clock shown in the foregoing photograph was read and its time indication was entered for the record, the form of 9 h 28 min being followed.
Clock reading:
11 h 24 min
